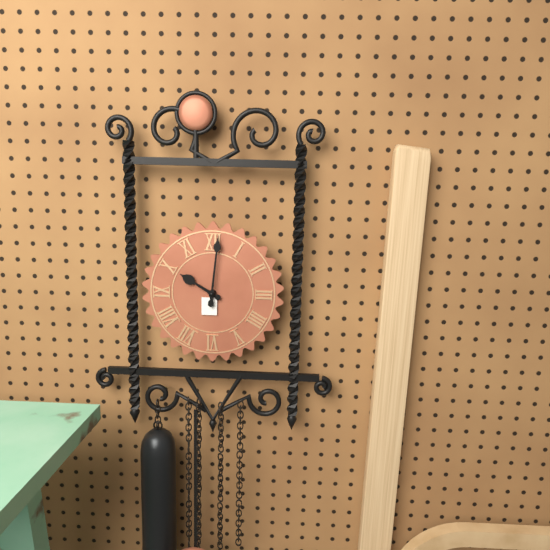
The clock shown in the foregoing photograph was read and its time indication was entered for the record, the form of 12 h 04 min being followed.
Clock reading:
10 h 01 min
